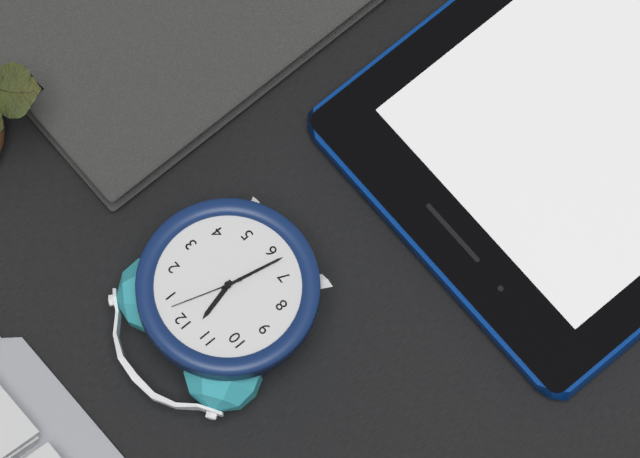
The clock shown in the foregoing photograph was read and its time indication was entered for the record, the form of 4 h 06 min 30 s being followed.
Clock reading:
11 h 32 min 03 s
